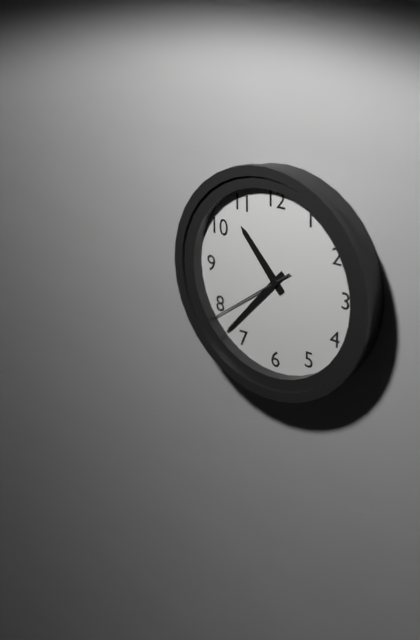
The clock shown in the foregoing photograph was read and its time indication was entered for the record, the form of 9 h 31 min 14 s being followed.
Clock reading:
10 h 37 min 39 s
